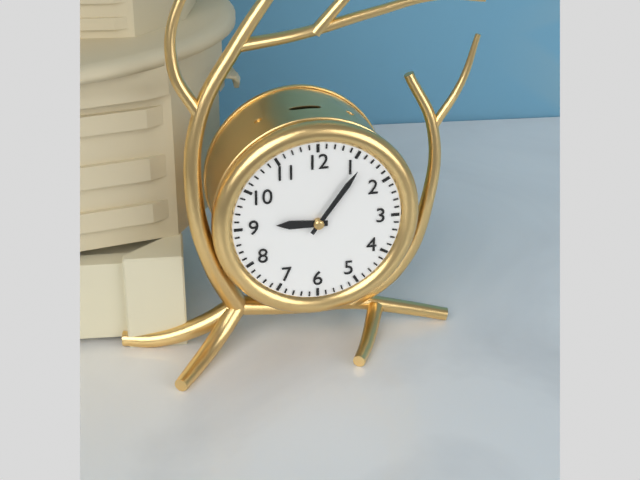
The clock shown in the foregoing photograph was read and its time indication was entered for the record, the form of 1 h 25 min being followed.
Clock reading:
9 h 06 min
